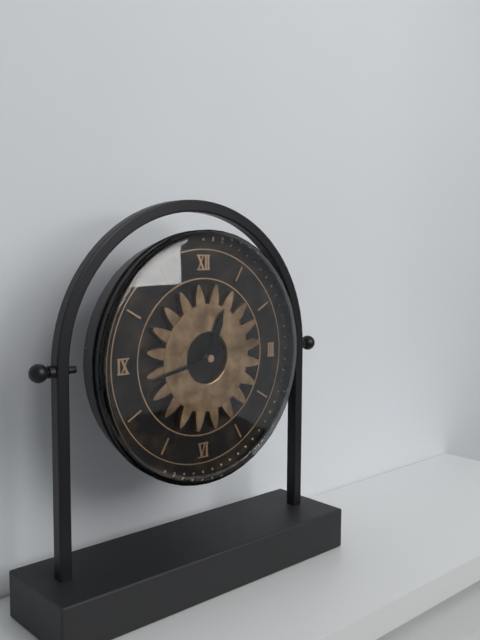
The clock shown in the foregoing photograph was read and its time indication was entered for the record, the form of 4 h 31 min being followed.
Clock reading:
12 h 43 min
